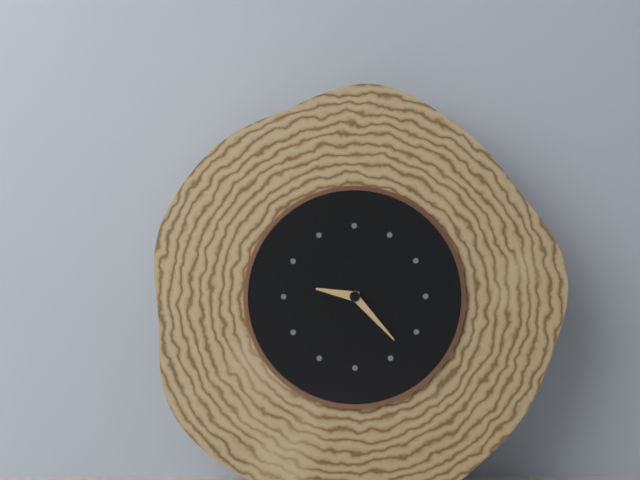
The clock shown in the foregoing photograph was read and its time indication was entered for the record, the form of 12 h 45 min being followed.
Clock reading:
9 h 23 min
